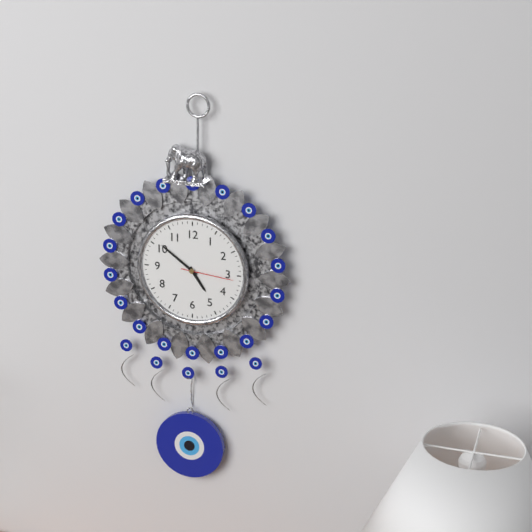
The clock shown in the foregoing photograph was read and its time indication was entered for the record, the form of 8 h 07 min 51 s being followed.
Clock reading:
4 h 51 min 16 s
